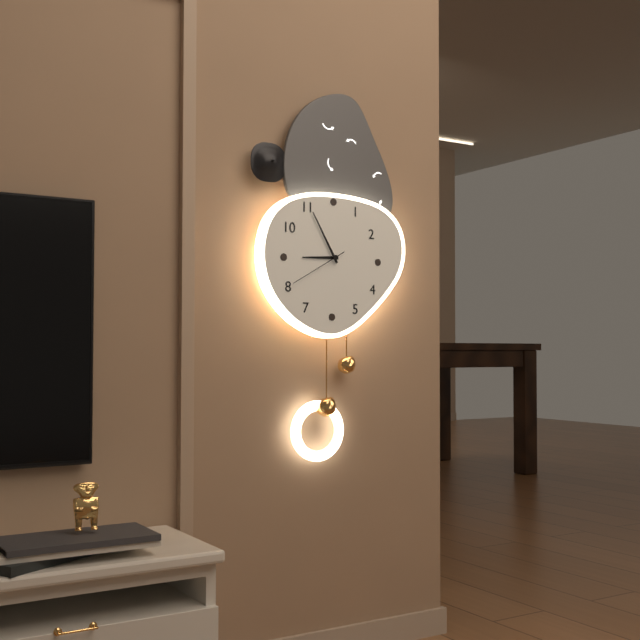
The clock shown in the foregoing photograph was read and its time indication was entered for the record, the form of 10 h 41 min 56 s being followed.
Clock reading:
8 h 55 min 40 s
